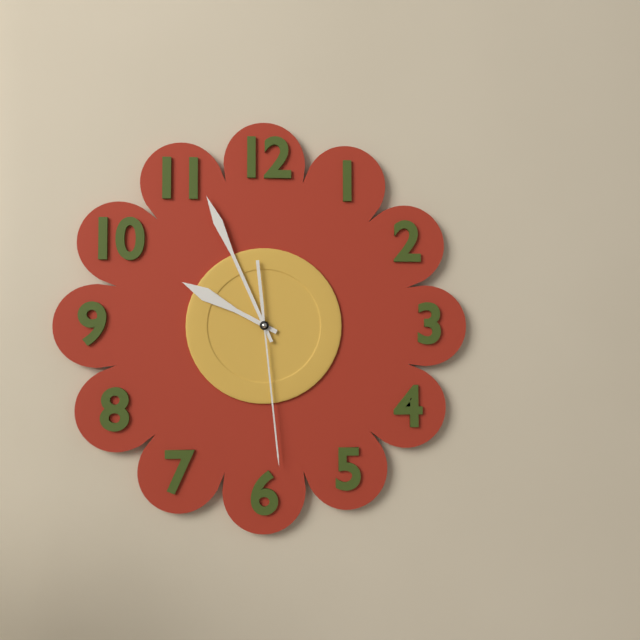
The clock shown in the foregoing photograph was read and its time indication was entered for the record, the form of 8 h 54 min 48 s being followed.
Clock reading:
9 h 56 min 29 s
